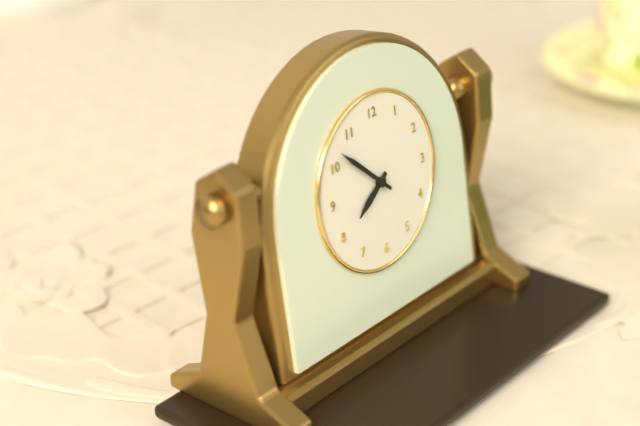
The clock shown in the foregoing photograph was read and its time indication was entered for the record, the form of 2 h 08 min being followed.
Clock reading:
7 h 52 min
